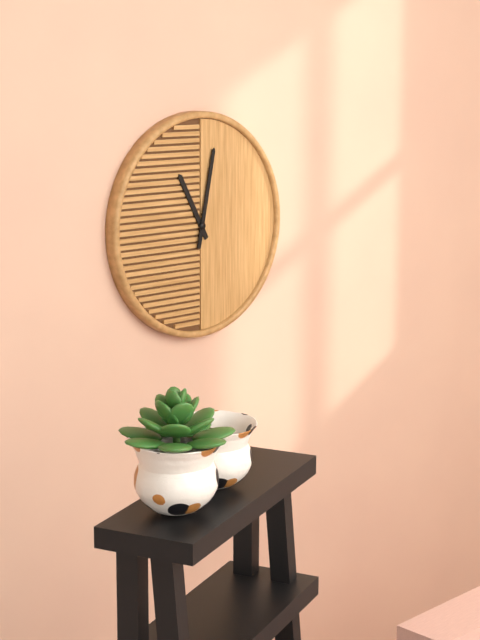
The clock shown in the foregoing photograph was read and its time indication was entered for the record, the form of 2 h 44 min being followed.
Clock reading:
11 h 02 min
